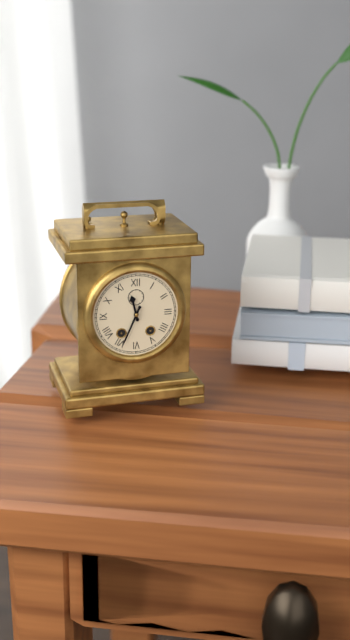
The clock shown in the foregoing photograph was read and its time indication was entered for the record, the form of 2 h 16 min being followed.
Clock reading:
11 h 34 min
